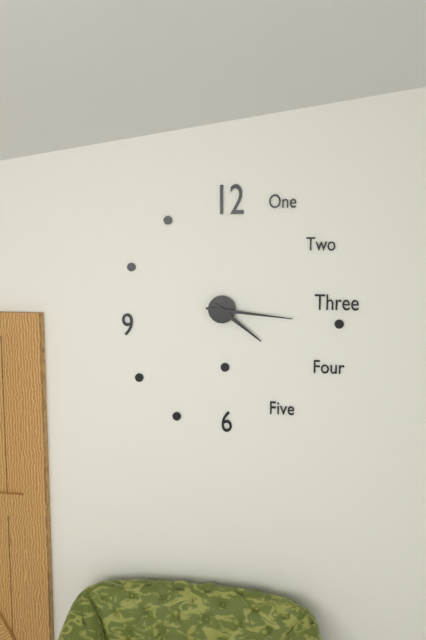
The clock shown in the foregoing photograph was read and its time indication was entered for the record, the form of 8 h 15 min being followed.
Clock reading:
4 h 16 min
